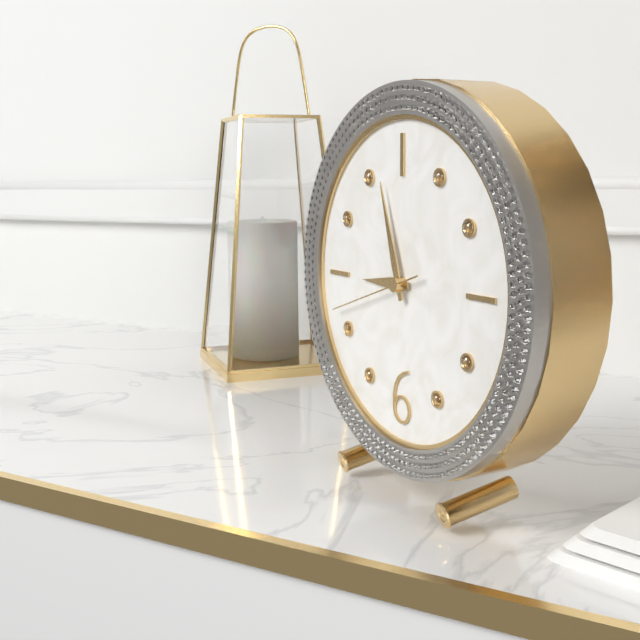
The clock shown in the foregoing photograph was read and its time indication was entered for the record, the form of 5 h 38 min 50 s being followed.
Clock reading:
8 h 57 min 42 s
